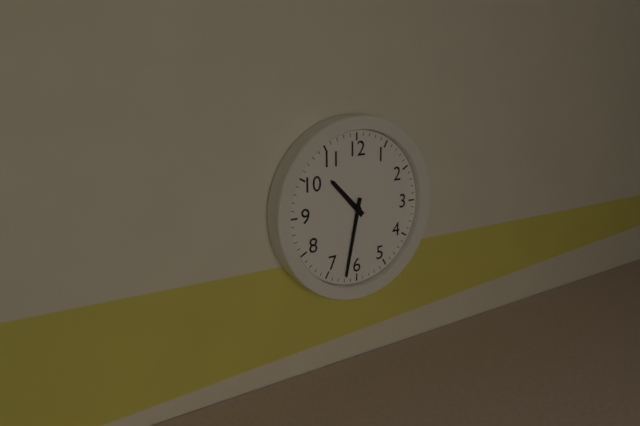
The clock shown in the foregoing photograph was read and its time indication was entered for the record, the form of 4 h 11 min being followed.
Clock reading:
10 h 32 min
